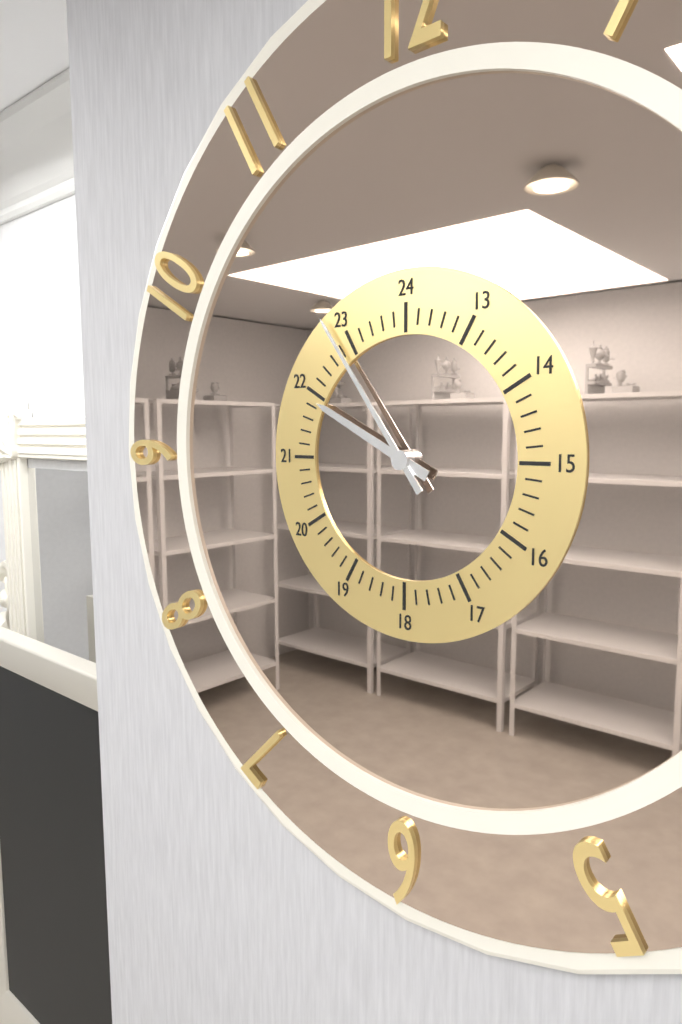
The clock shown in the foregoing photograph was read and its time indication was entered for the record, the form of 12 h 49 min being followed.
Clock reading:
9 h 54 min
